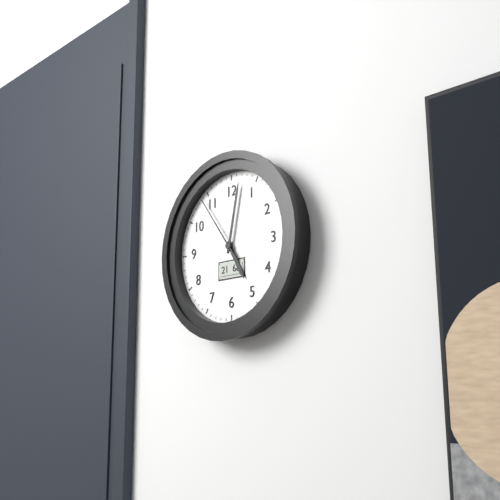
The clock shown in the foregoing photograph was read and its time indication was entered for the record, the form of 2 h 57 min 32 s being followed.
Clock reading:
5 h 02 min 54 s
